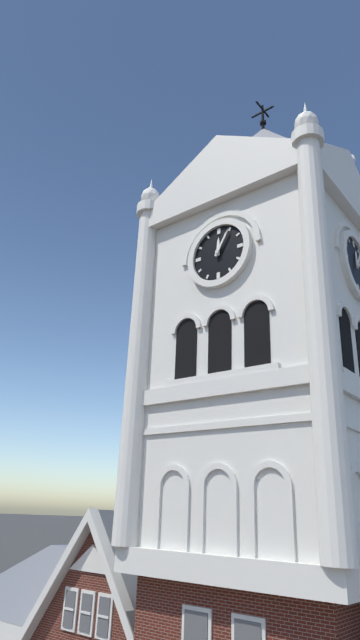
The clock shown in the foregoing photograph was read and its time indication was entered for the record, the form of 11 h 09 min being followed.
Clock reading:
12 h 05 min
